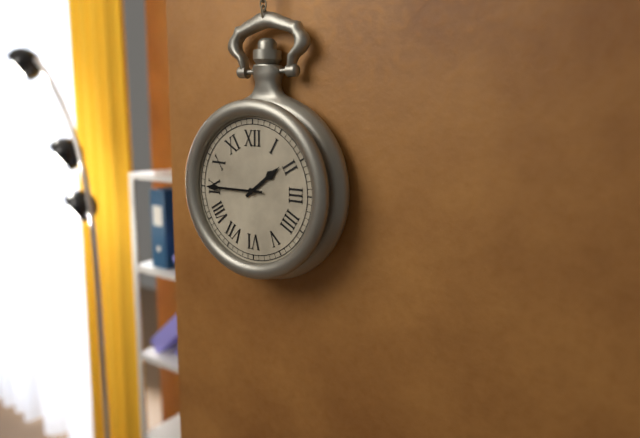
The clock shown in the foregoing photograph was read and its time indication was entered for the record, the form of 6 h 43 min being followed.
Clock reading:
1 h 45 min
